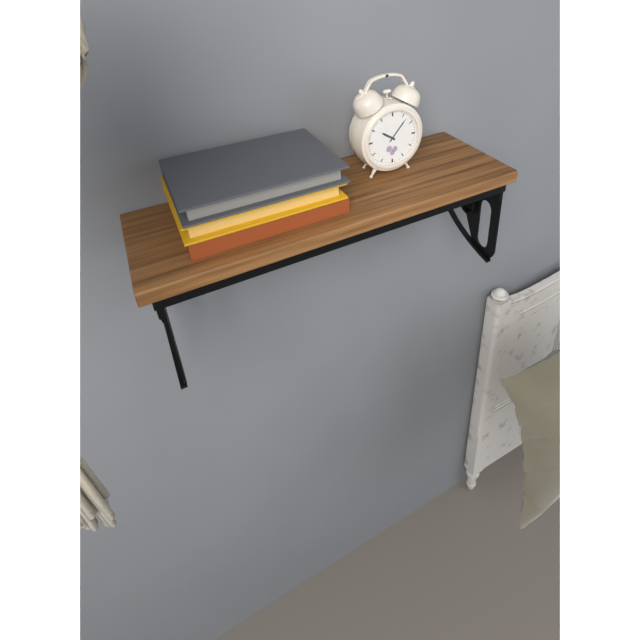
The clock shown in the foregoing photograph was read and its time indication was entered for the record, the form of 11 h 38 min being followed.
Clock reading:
10 h 07 min
